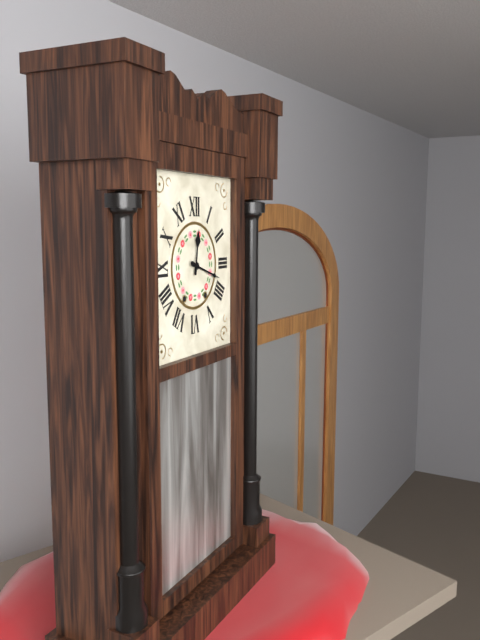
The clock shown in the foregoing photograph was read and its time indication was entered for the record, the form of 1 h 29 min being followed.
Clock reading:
12 h 18 min
